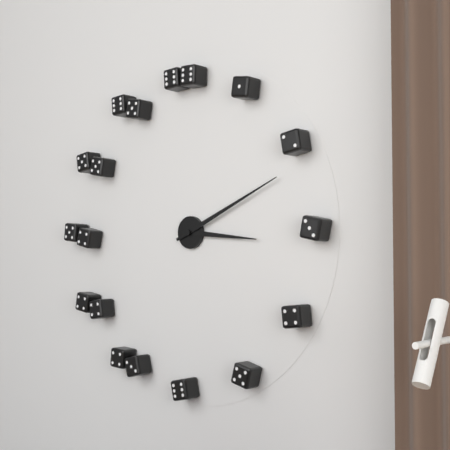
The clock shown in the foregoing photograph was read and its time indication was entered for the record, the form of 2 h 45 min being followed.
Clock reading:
3 h 11 min
